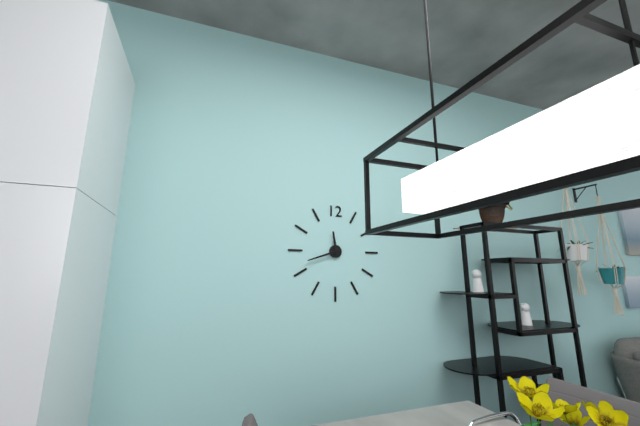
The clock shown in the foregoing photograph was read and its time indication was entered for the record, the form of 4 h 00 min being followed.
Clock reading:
11 h 42 min
